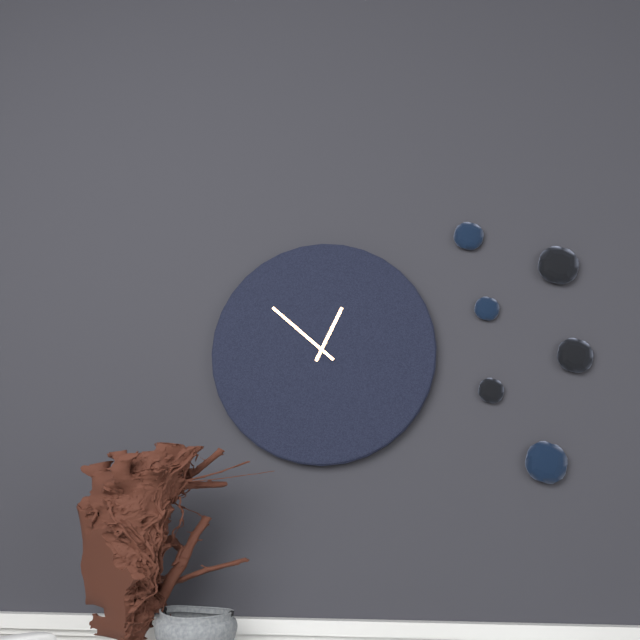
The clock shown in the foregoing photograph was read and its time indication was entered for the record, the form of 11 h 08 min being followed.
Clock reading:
12 h 52 min
